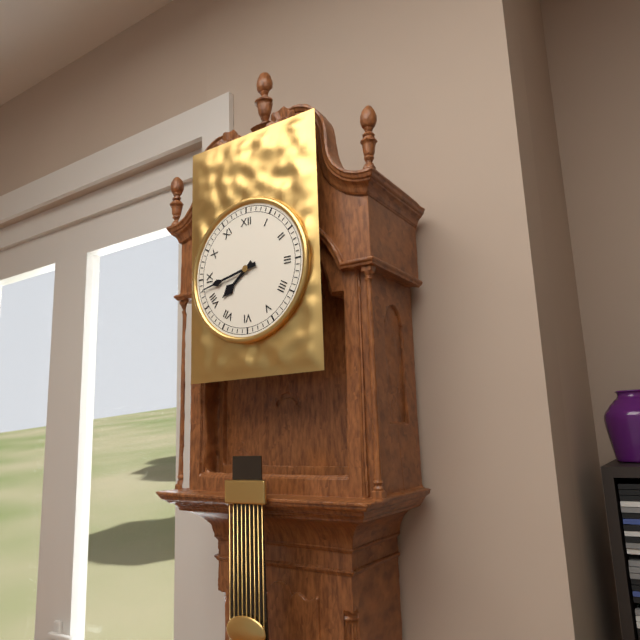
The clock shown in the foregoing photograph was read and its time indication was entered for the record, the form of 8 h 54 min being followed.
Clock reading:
7 h 43 min
